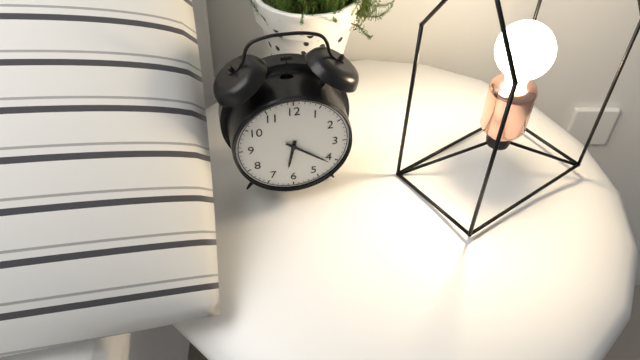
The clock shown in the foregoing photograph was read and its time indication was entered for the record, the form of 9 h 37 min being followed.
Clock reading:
6 h 21 min
